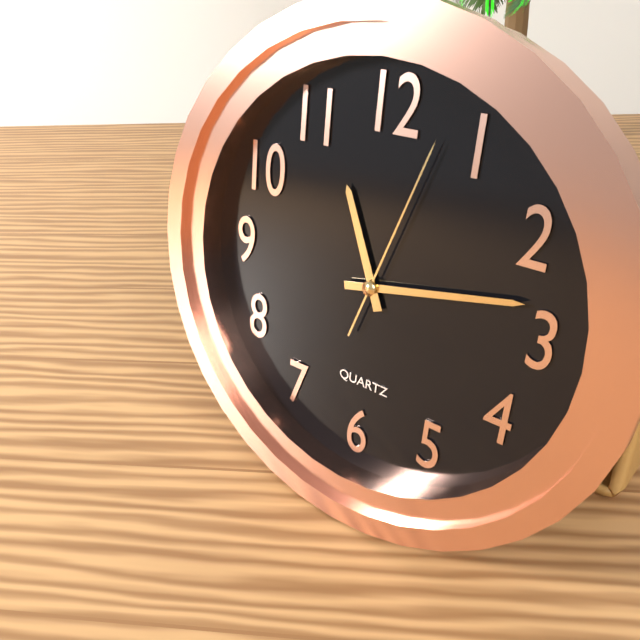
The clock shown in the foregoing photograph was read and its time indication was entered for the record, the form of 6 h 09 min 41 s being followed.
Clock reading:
11 h 13 min 03 s
